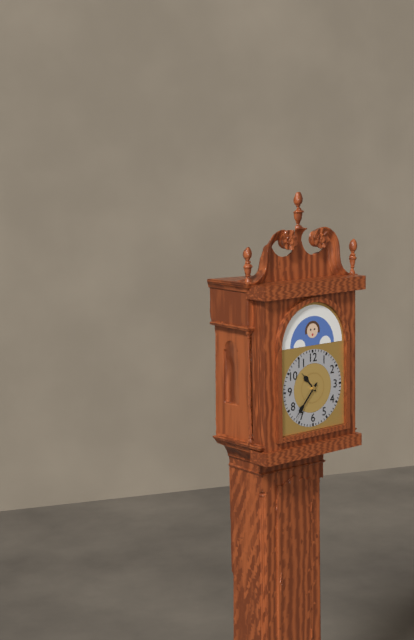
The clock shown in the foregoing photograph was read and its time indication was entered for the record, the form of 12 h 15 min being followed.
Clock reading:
10 h 37 min
